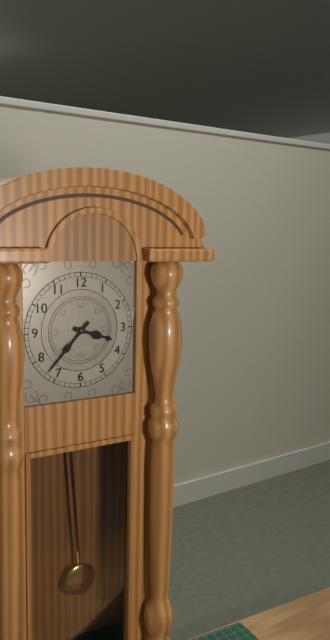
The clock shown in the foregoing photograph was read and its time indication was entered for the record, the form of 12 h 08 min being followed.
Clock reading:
3 h 37 min
